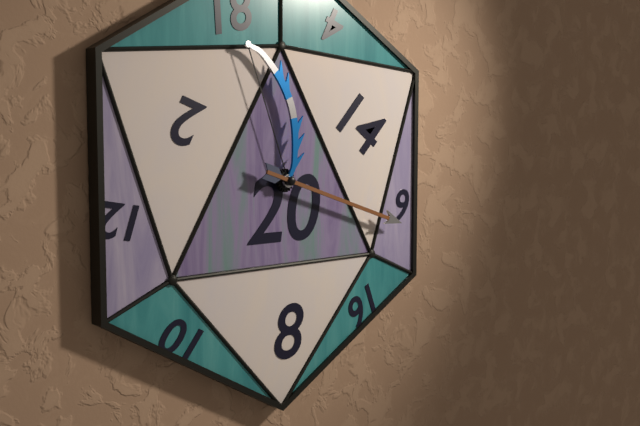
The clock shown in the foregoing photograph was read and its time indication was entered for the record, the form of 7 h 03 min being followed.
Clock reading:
11 h 18 min
